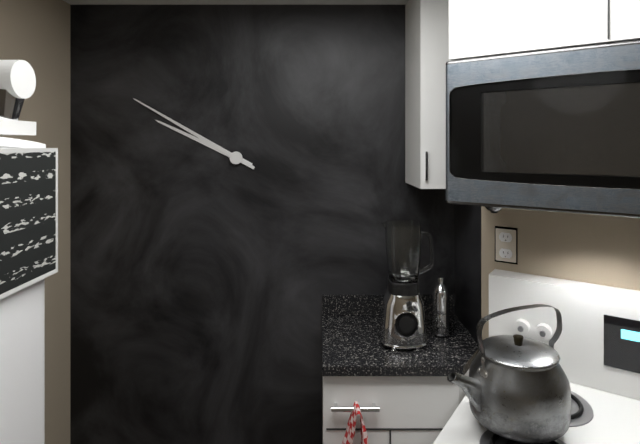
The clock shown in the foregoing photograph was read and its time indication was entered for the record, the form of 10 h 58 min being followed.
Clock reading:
9 h 50 min
